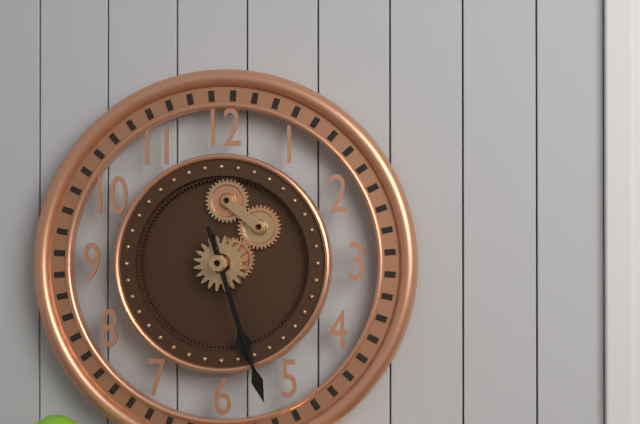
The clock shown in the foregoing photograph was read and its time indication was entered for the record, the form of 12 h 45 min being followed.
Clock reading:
5 h 27 min
